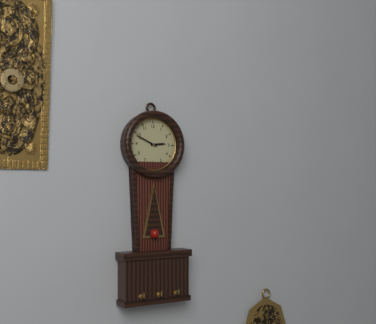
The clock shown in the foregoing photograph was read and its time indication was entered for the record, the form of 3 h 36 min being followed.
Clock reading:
2 h 49 min
